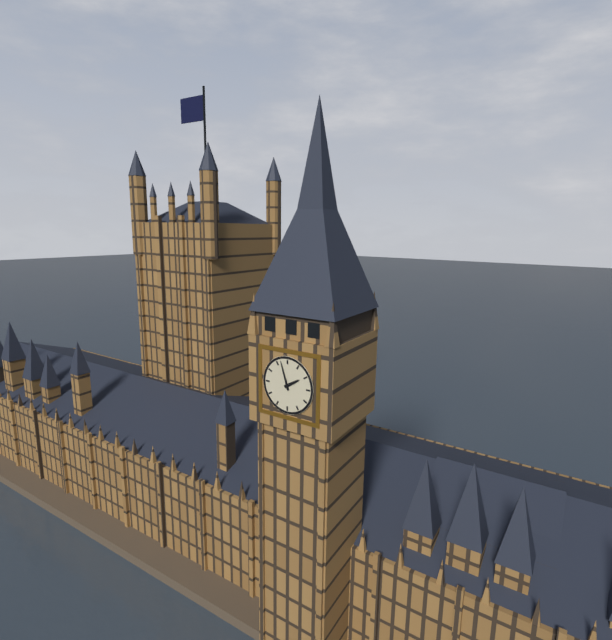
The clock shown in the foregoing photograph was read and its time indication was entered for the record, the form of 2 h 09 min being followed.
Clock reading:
1 h 57 min
